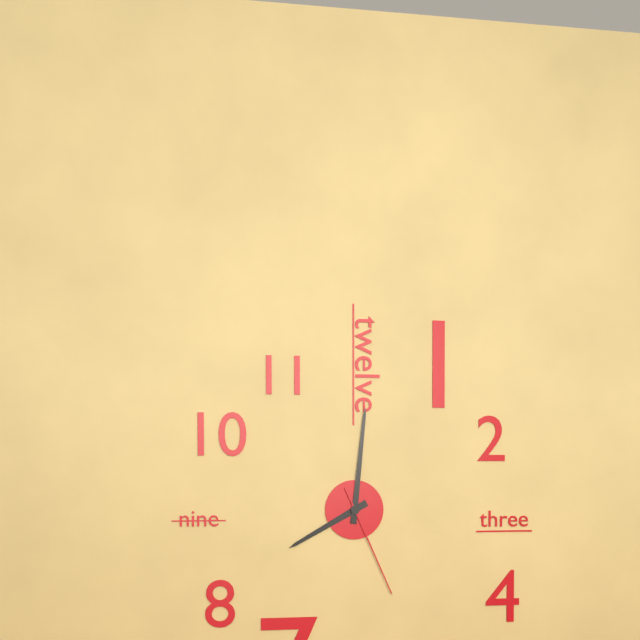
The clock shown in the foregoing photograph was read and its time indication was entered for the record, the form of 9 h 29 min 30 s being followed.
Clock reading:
8 h 01 min 26 s
